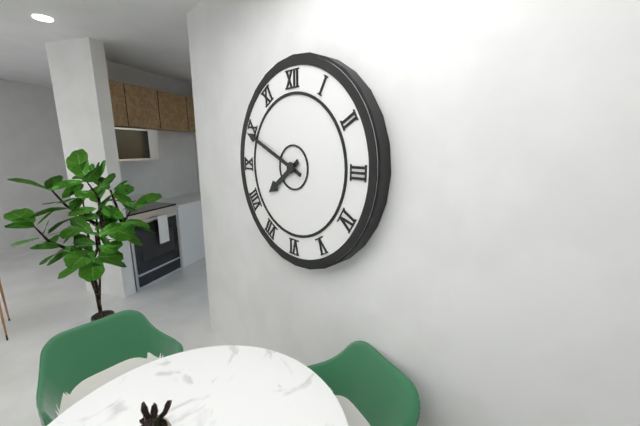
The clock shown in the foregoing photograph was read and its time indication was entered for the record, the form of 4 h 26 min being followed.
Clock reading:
7 h 49 min
